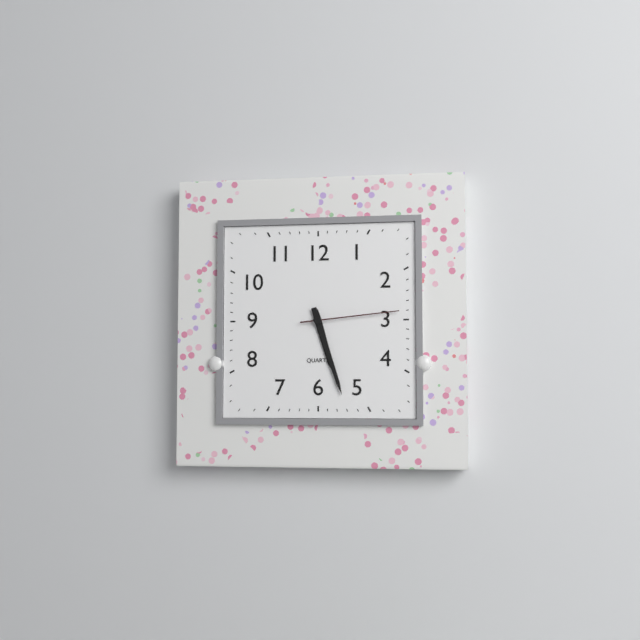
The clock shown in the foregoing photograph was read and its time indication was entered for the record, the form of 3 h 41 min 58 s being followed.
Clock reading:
5 h 27 min 14 s
